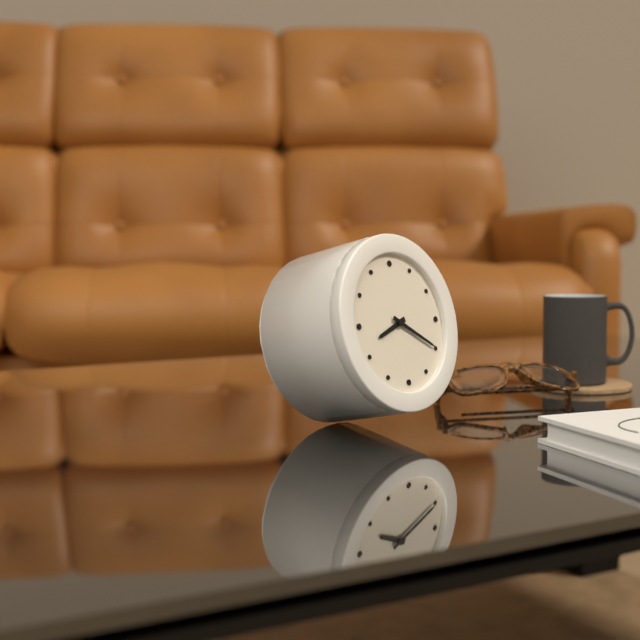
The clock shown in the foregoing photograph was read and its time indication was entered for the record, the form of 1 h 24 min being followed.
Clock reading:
8 h 20 min
